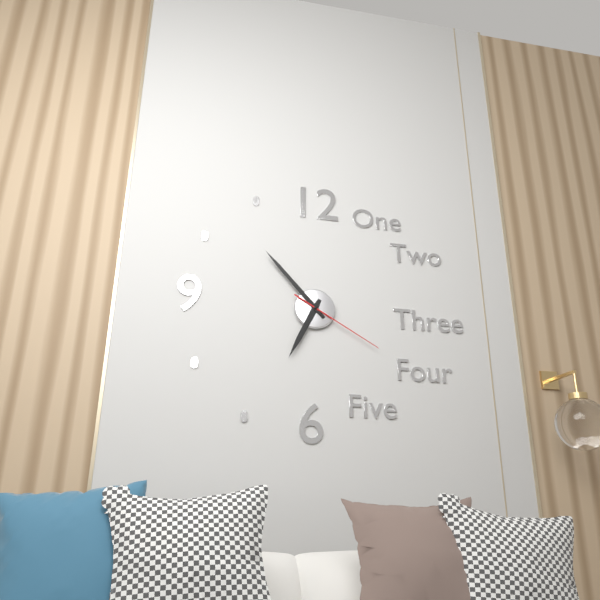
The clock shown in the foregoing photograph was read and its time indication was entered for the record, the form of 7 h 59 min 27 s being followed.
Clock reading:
6 h 53 min 20 s
